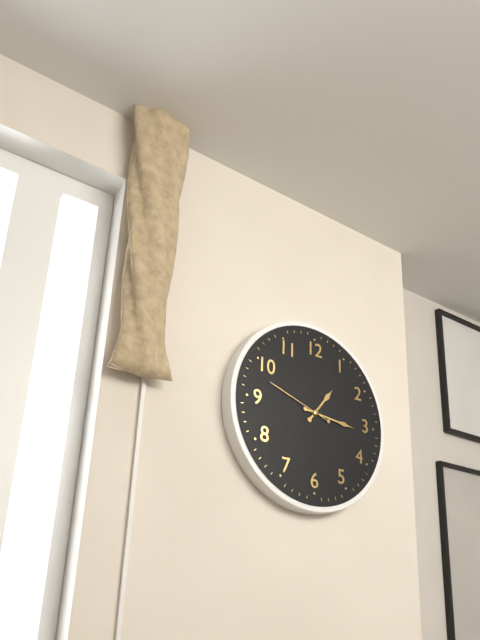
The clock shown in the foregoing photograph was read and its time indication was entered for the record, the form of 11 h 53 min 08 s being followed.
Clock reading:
1 h 16 min 48 s
